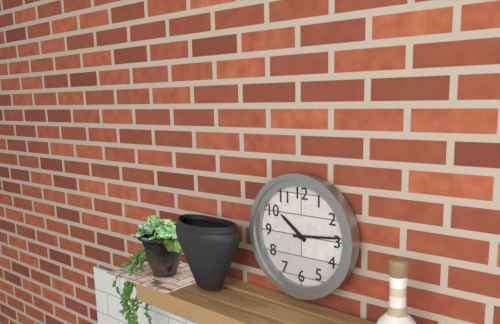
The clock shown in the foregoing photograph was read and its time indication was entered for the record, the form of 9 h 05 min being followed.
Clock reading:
10 h 14 min
